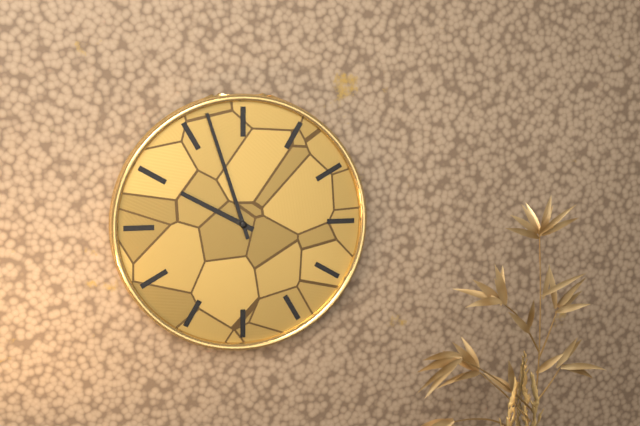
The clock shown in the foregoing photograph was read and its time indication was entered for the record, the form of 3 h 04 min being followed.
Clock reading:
9 h 57 min
